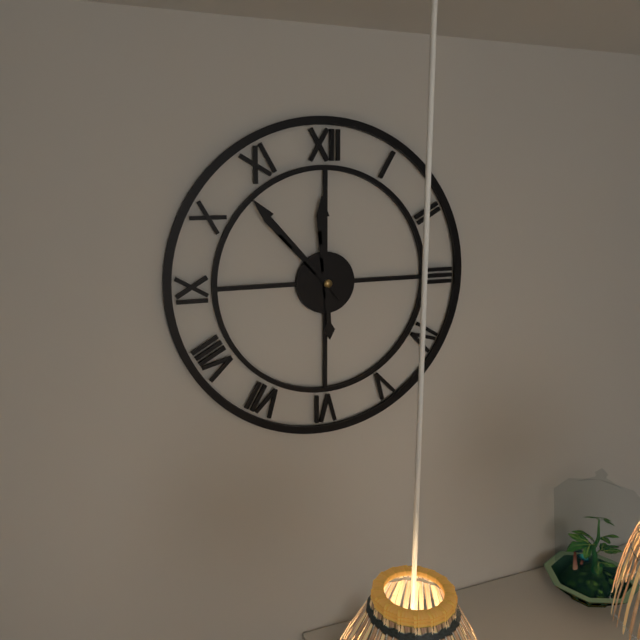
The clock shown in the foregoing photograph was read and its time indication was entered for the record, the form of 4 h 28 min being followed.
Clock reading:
11 h 53 min
